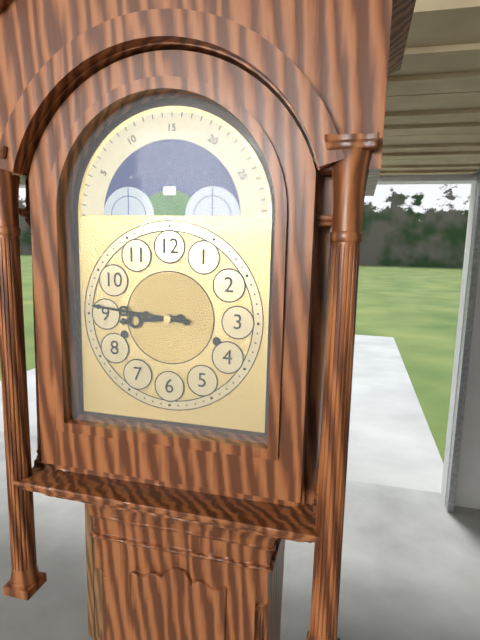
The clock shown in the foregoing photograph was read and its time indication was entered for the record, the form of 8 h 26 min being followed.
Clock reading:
8 h 46 min
